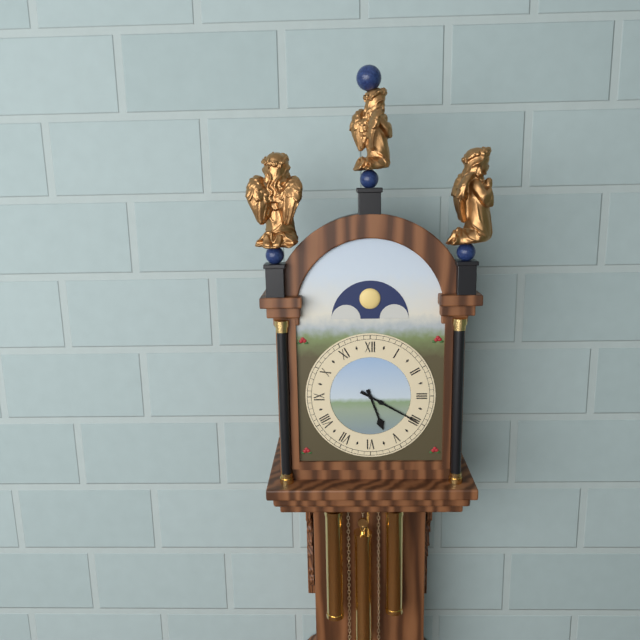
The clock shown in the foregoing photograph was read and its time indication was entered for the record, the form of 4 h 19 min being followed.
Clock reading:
5 h 20 min
